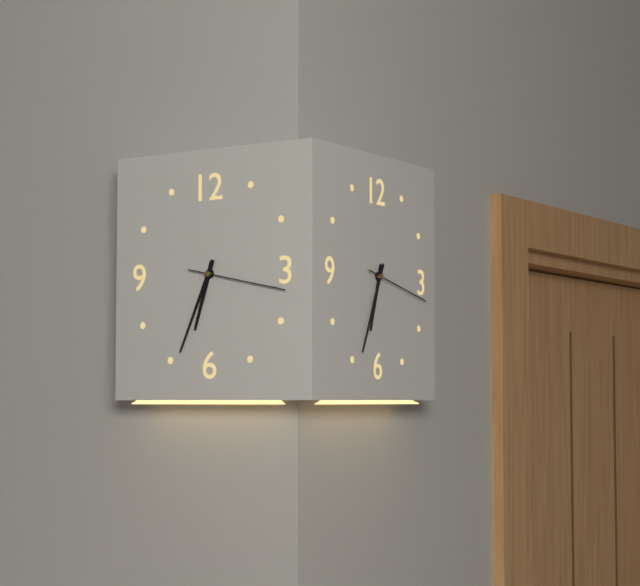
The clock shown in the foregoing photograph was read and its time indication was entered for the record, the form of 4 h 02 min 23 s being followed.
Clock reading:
6 h 34 min 17 s
